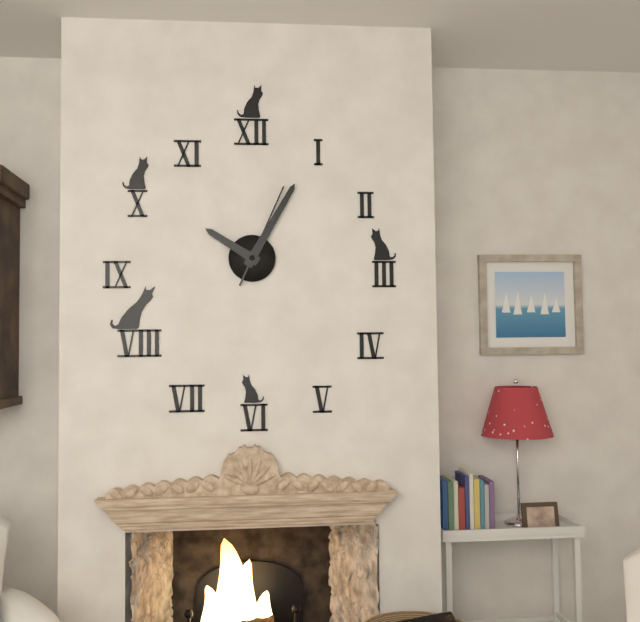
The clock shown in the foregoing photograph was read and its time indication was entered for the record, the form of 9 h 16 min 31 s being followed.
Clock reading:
10 h 05 min 04 s
